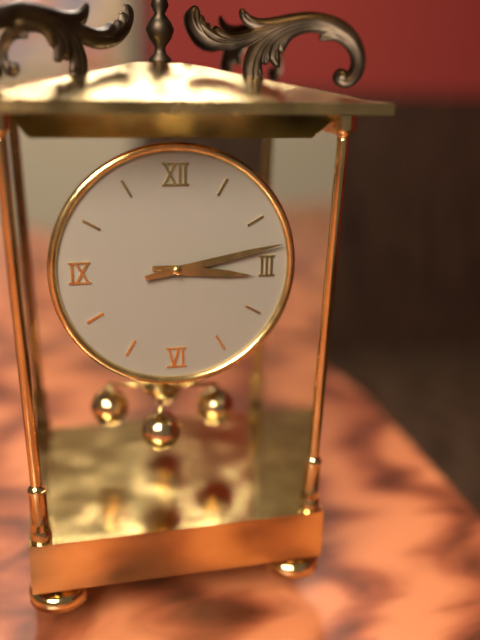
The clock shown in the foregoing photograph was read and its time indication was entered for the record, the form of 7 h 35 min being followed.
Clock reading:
3 h 13 min
